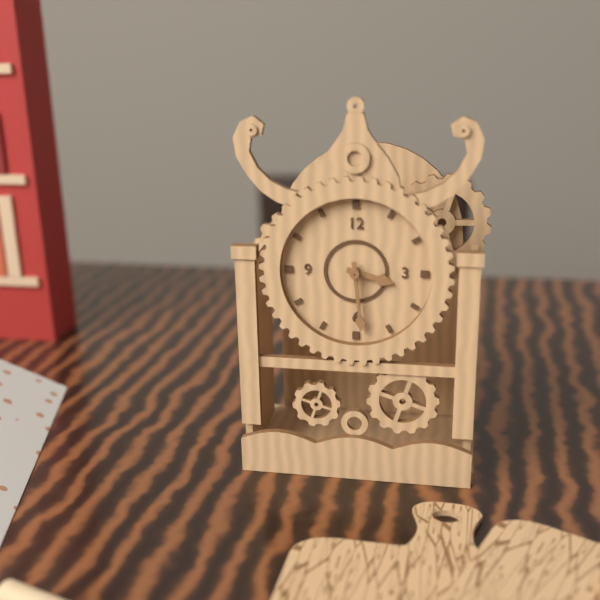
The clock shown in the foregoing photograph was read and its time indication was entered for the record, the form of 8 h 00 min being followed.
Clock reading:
3 h 29 min
